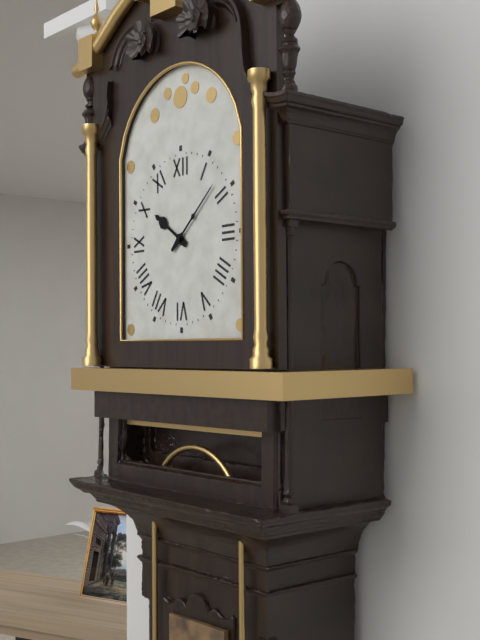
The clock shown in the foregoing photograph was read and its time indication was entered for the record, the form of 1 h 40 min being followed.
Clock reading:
10 h 08 min
